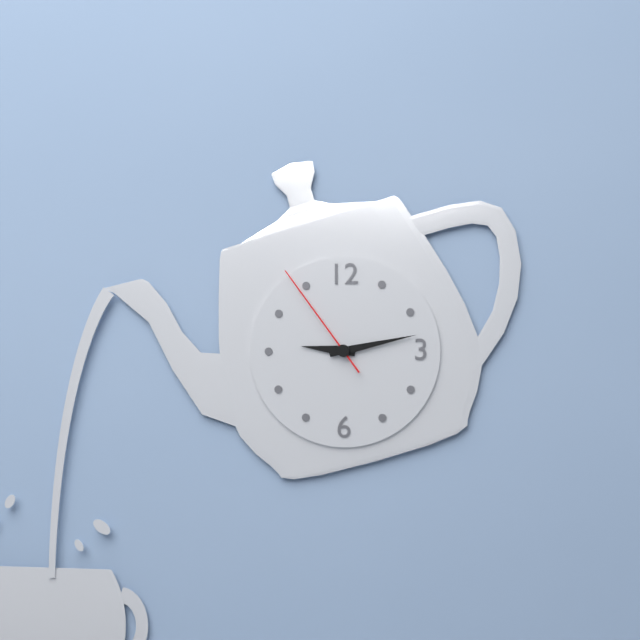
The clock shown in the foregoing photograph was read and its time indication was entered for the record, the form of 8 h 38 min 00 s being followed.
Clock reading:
9 h 13 min 54 s
